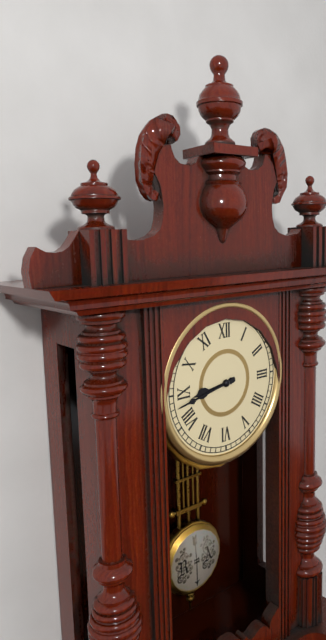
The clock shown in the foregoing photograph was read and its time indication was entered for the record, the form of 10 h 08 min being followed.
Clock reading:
8 h 43 min
